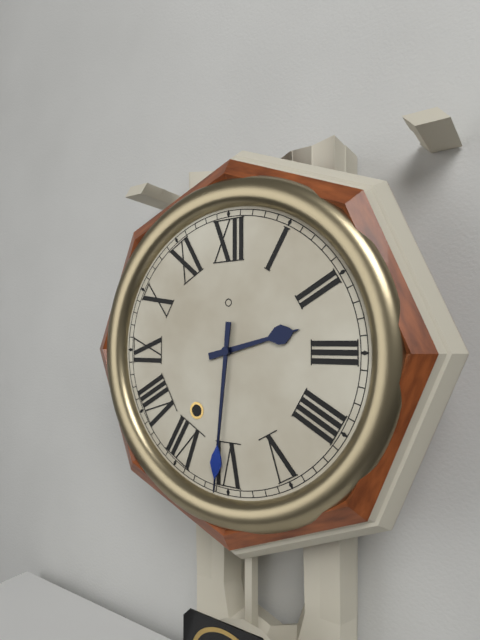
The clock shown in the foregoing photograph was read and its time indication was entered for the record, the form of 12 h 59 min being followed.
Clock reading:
2 h 31 min
